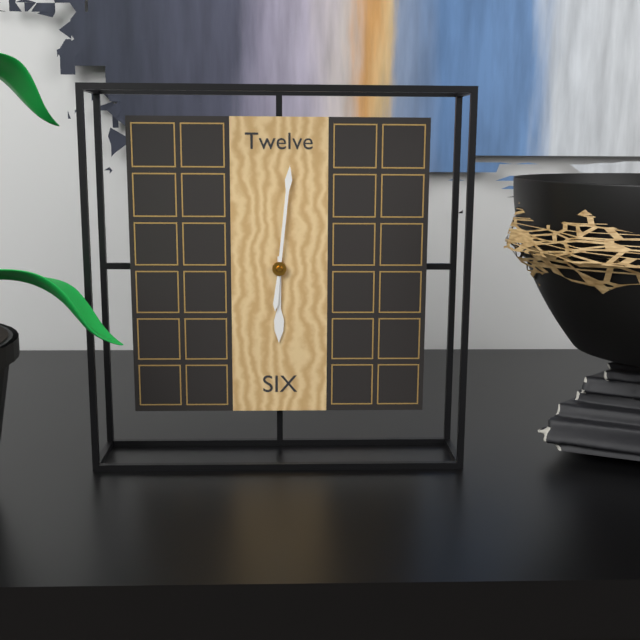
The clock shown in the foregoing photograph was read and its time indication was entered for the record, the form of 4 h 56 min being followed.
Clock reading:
6 h 01 min
